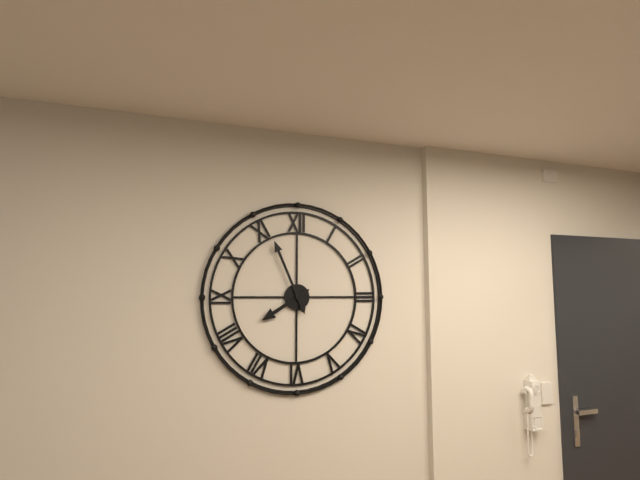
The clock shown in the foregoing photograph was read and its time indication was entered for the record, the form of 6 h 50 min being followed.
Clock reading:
7 h 56 min
